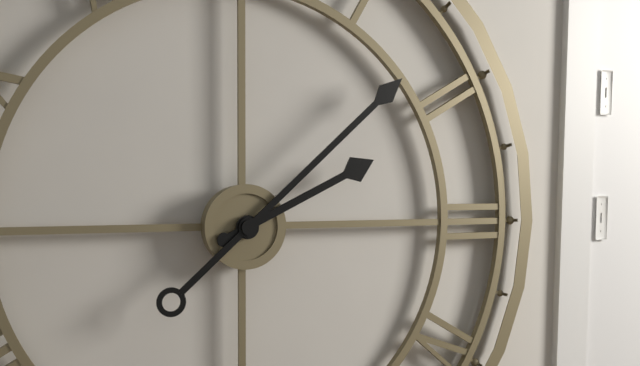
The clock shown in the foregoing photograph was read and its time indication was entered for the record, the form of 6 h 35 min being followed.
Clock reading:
2 h 08 min
